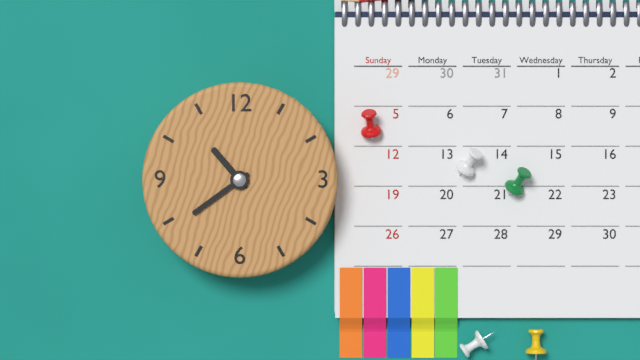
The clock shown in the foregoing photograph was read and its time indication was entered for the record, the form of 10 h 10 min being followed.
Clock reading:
10 h 39 min
